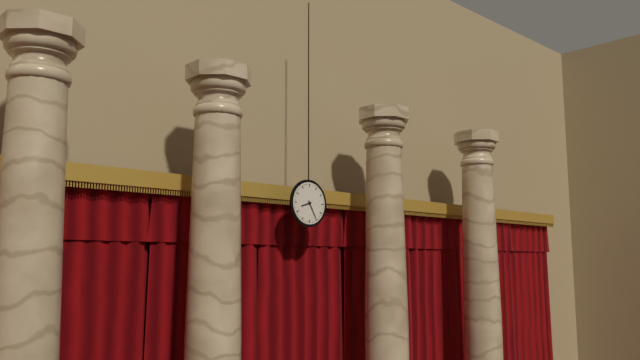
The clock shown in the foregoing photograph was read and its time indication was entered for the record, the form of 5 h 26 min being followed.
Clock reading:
8 h 25 min
